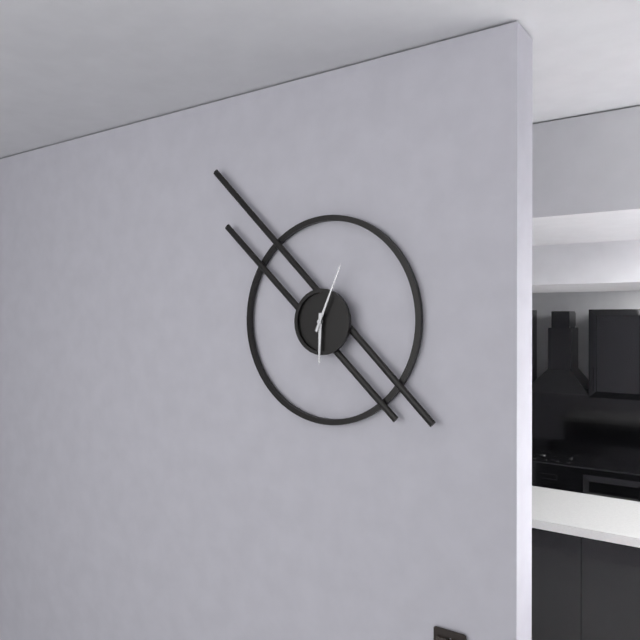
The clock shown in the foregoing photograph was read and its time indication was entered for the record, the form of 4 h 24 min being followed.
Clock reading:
6 h 04 min
